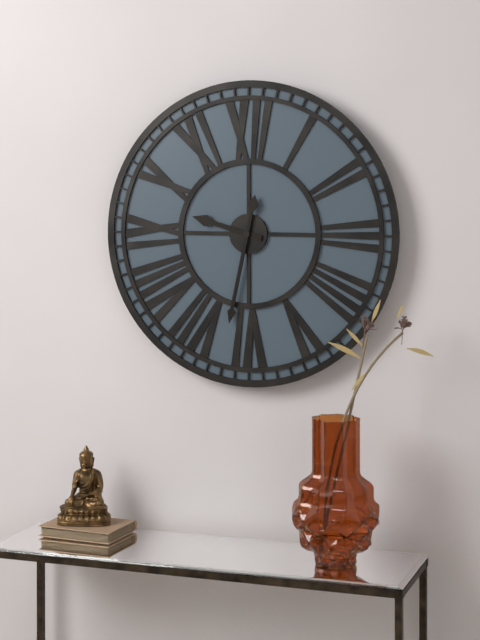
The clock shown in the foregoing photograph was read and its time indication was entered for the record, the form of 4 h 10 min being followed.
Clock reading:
9 h 32 min
